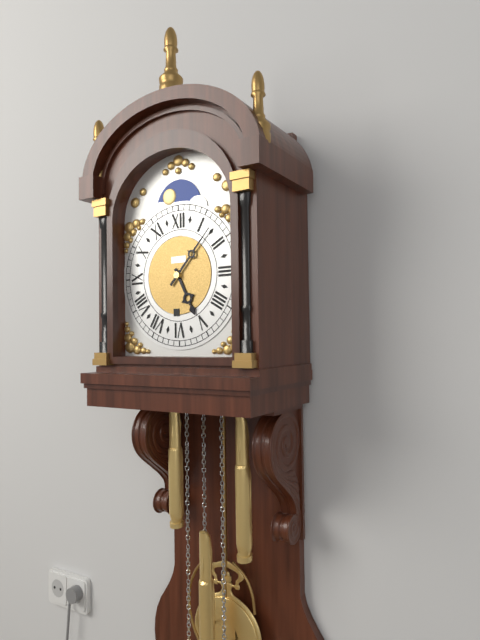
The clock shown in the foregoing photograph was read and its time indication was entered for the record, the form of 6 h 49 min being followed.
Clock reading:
5 h 07 min
